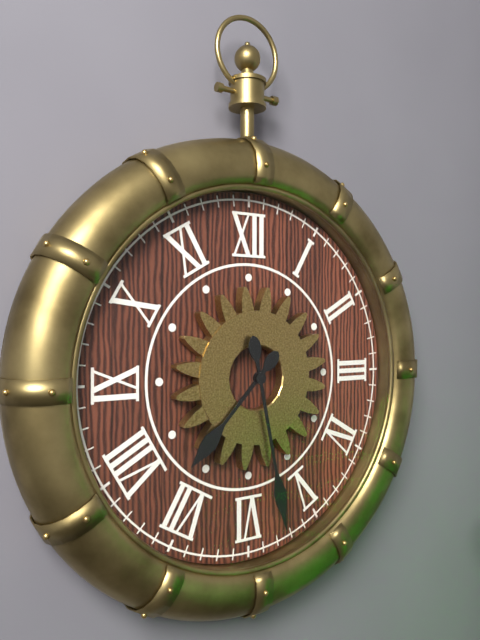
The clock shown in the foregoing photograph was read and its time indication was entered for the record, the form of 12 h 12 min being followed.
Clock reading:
7 h 28 min
